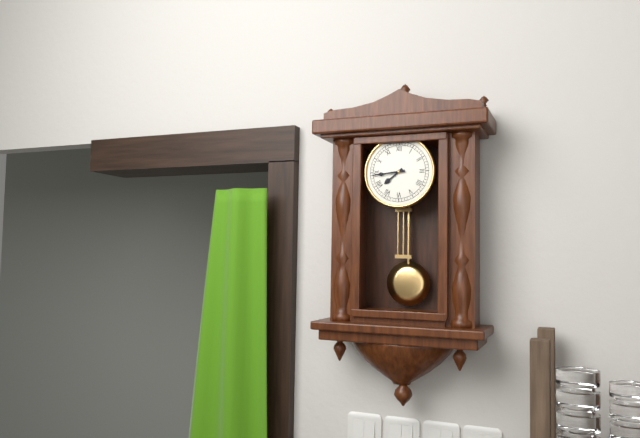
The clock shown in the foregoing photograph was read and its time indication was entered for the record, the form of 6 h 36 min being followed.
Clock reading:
7 h 44 min
